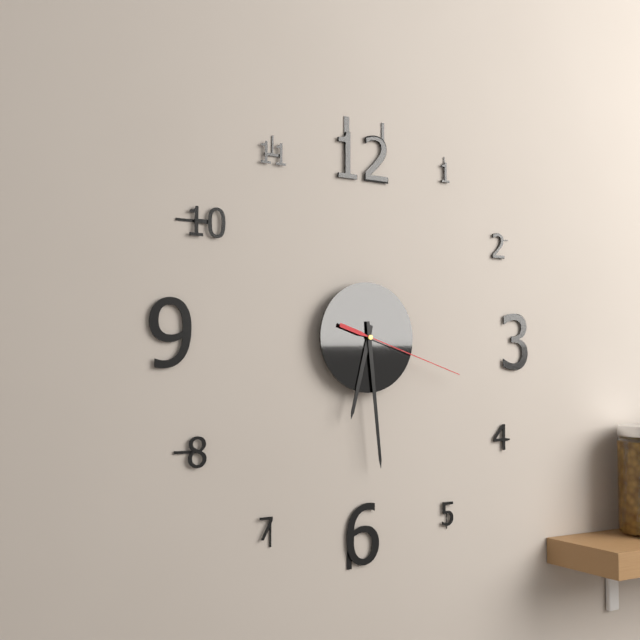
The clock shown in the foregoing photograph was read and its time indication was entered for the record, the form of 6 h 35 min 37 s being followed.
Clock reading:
6 h 29 min 18 s
